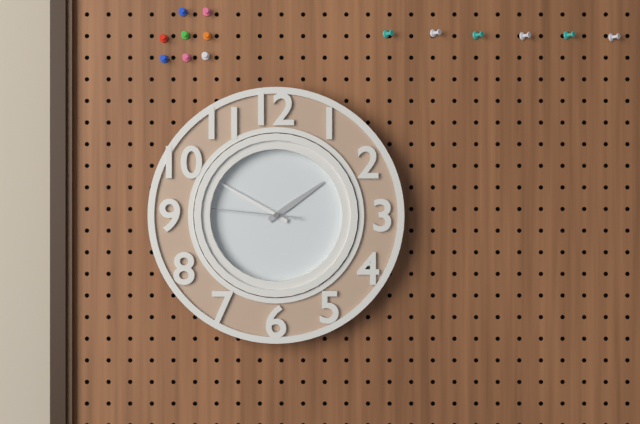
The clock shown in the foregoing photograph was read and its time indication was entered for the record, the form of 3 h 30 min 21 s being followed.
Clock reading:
1 h 50 min 46 s
